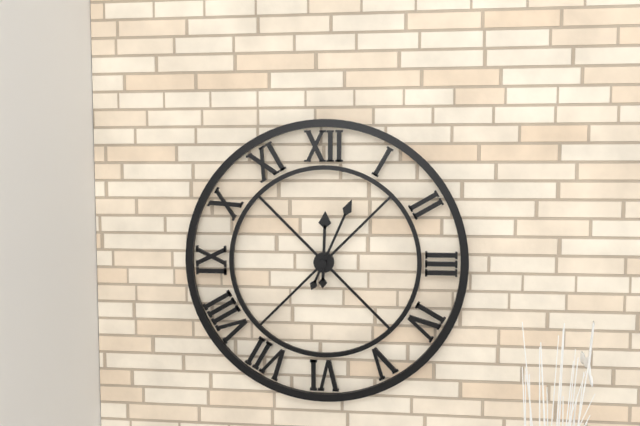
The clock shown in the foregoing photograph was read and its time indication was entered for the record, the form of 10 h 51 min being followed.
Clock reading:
12 h 04 min
